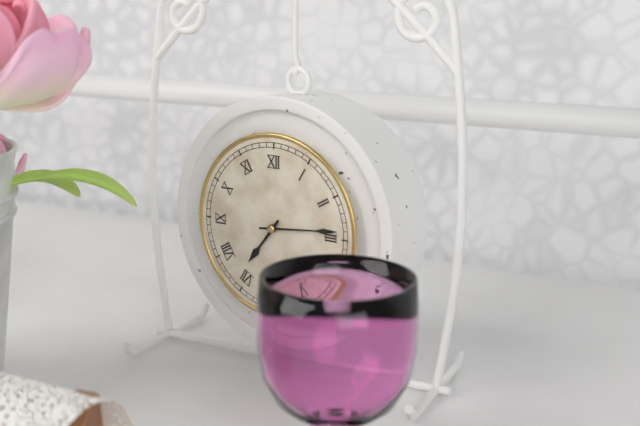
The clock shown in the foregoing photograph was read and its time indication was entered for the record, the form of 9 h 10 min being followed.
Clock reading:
7 h 14 min
